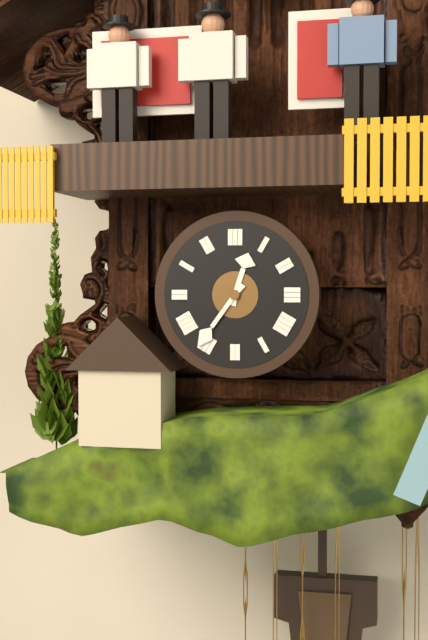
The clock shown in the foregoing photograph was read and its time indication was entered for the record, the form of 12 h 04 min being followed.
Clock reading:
12 h 36 min
